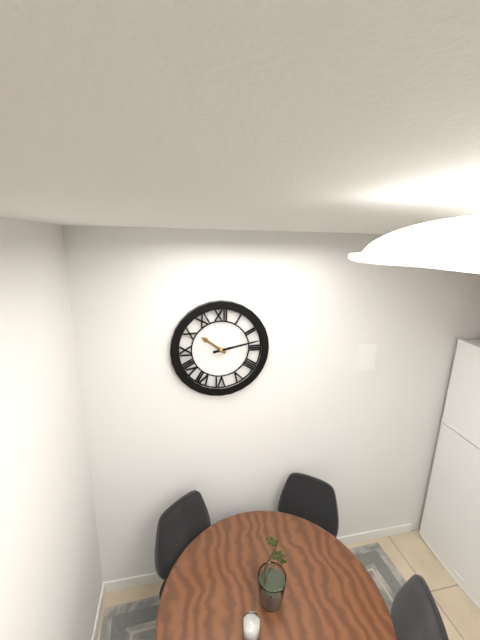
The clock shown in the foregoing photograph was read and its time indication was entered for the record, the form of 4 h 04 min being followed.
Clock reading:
10 h 13 min
